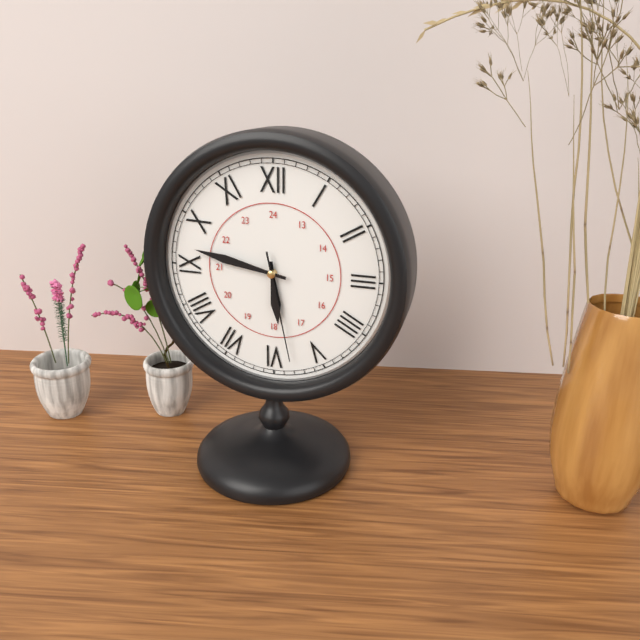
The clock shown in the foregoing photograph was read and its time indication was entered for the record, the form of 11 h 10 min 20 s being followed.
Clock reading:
5 h 47 min 28 s
